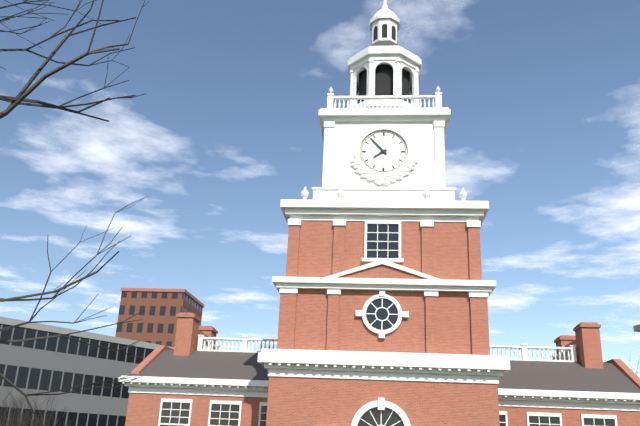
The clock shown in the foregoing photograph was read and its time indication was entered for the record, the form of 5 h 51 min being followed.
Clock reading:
7 h 53 min
